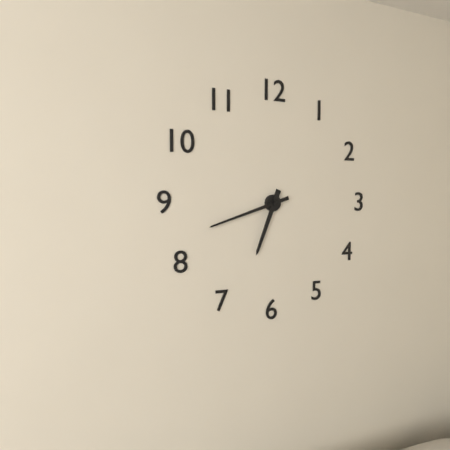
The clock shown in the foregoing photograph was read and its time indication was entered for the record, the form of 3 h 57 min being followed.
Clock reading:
6 h 42 min
